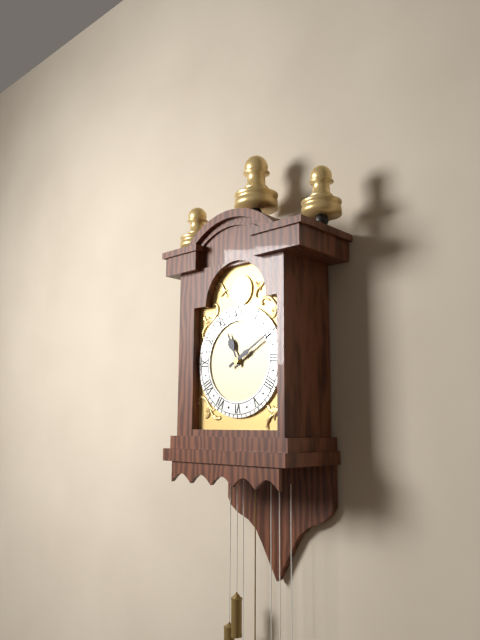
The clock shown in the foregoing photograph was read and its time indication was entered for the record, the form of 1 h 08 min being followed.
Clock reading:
11 h 10 min
